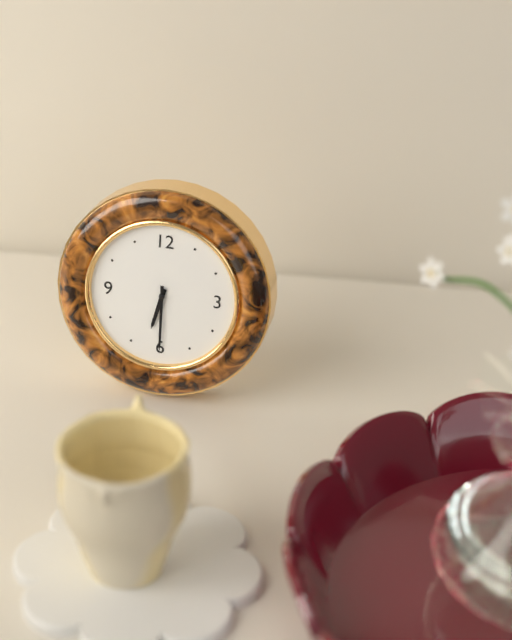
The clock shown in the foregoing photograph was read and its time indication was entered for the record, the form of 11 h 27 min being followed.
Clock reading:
6 h 30 min
